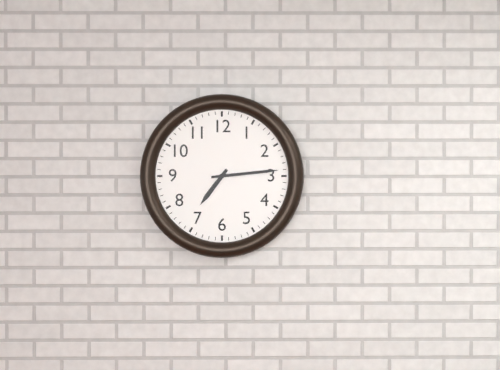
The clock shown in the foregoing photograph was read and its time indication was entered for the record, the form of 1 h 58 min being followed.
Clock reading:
7 h 14 min
